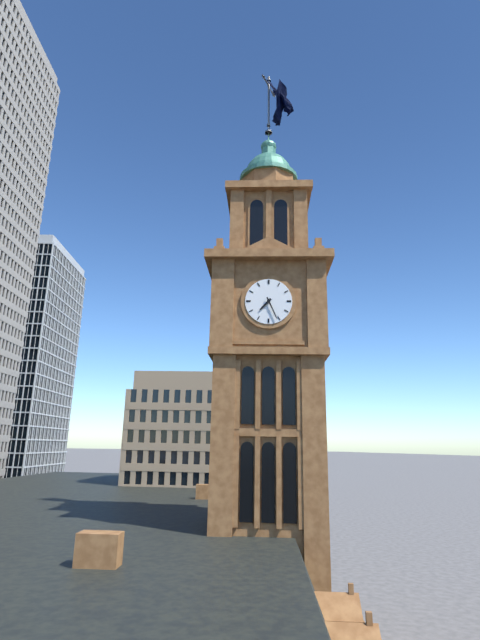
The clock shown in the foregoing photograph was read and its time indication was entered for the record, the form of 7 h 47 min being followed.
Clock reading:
7 h 26 min
